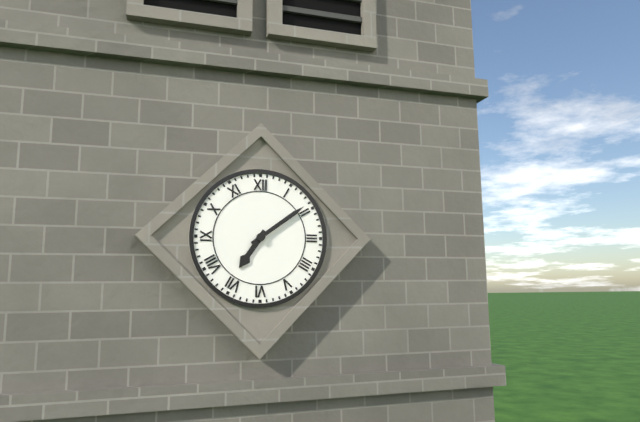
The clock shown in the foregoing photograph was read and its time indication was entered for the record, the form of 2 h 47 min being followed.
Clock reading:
7 h 09 min
